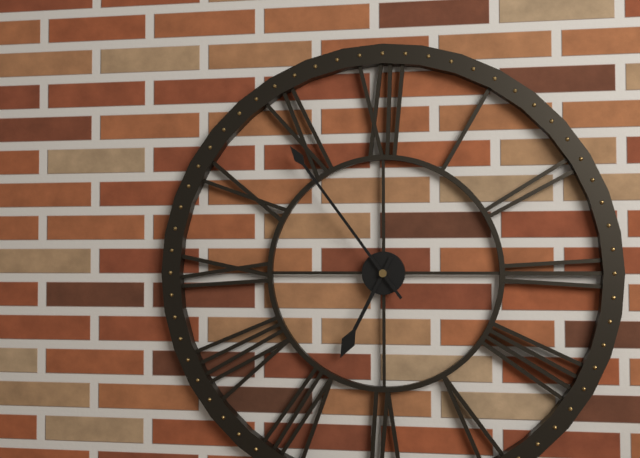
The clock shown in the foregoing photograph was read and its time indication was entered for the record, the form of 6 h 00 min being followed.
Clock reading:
6 h 54 min
